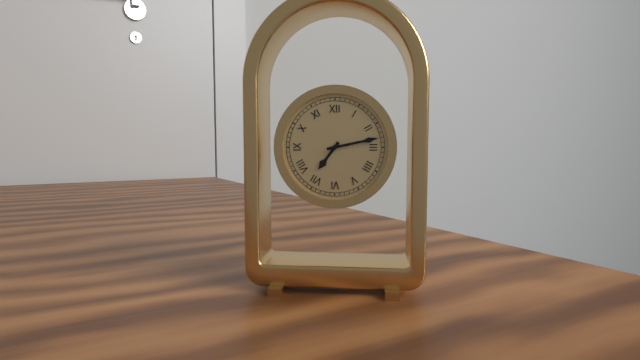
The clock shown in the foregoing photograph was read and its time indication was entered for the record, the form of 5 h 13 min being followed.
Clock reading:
7 h 13 min
